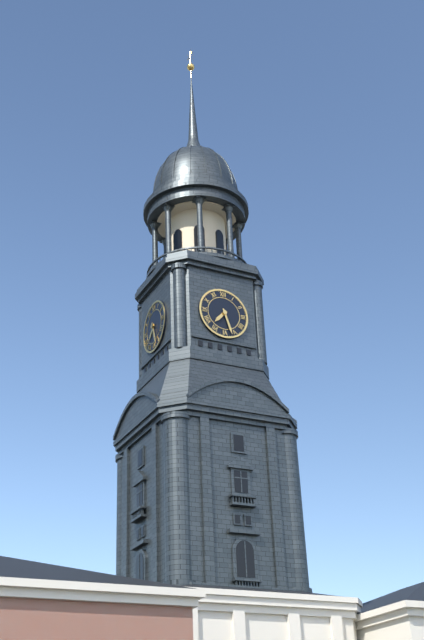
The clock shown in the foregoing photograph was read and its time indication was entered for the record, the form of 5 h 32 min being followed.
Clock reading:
7 h 27 min
